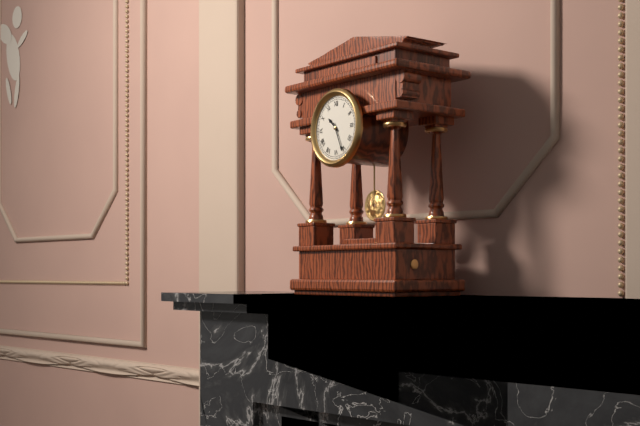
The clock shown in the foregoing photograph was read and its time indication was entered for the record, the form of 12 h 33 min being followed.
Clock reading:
10 h 26 min
